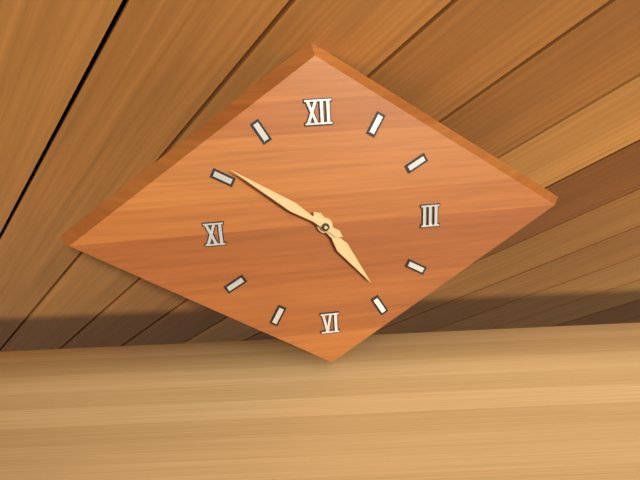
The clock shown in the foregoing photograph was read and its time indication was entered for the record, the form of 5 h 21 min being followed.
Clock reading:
4 h 51 min
